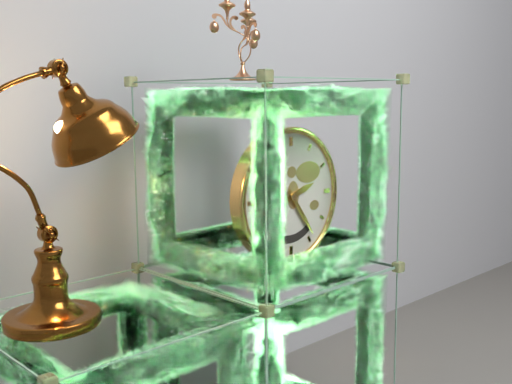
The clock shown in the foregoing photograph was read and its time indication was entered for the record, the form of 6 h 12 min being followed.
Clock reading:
2 h 24 min
